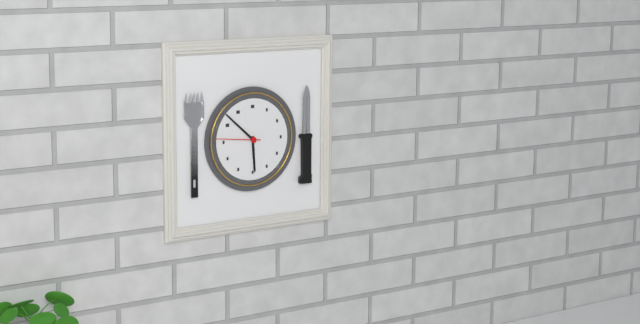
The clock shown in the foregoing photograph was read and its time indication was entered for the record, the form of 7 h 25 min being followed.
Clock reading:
5 h 52 min
